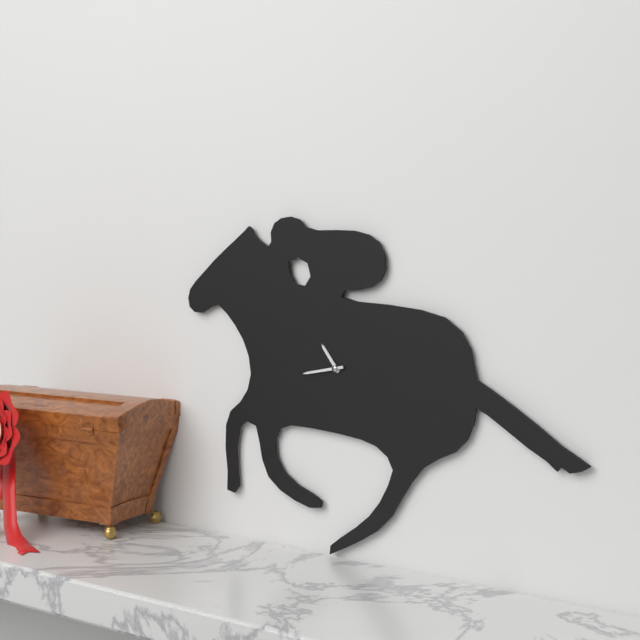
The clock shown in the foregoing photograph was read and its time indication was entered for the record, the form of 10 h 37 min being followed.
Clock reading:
10 h 43 min
